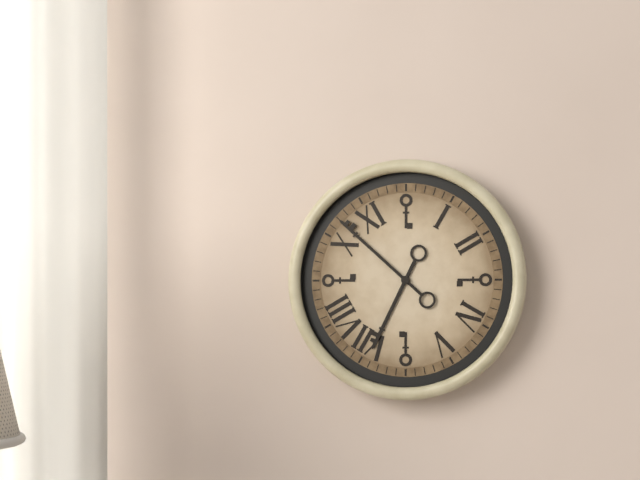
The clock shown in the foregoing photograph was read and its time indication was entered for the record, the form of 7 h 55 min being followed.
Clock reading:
6 h 52 min
